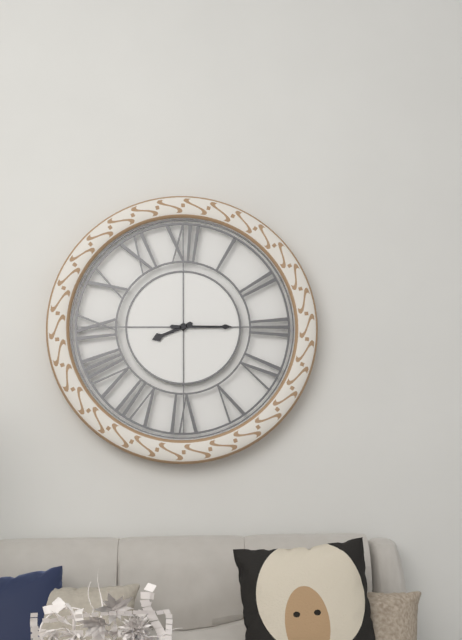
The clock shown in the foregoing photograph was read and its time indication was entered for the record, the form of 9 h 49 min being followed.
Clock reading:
8 h 15 min
